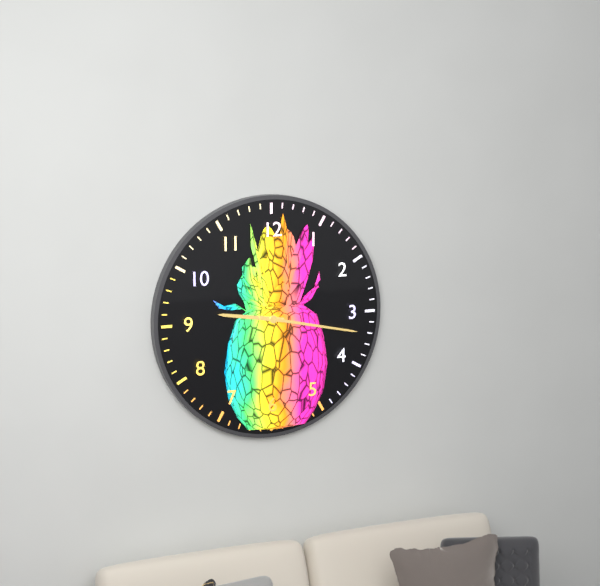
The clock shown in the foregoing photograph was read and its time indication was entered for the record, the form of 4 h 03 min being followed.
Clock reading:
9 h 17 min
